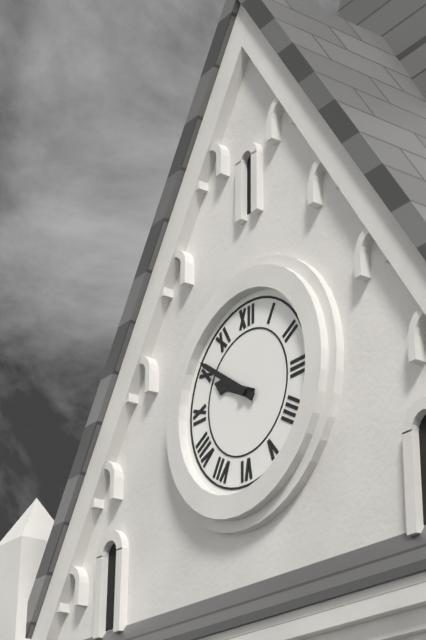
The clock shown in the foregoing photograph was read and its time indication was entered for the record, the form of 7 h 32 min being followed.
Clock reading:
9 h 51 min
